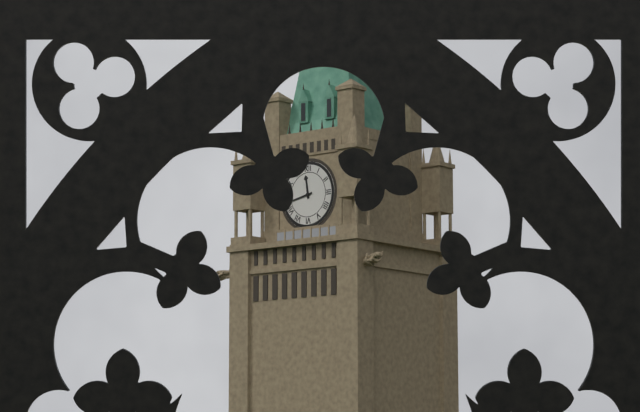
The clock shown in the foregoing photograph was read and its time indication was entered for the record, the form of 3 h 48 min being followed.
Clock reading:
11 h 43 min
